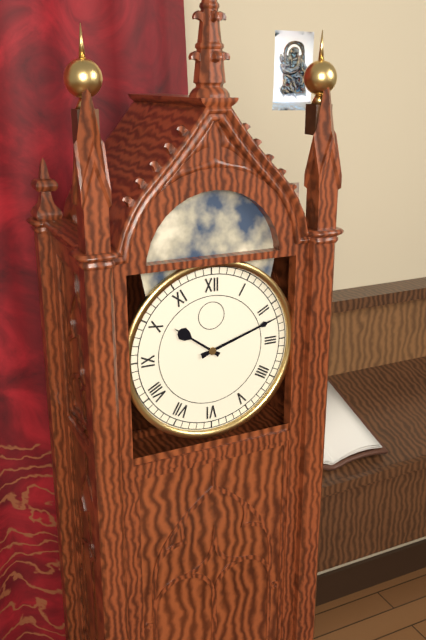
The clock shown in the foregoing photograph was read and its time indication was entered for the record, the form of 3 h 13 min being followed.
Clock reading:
10 h 12 min
